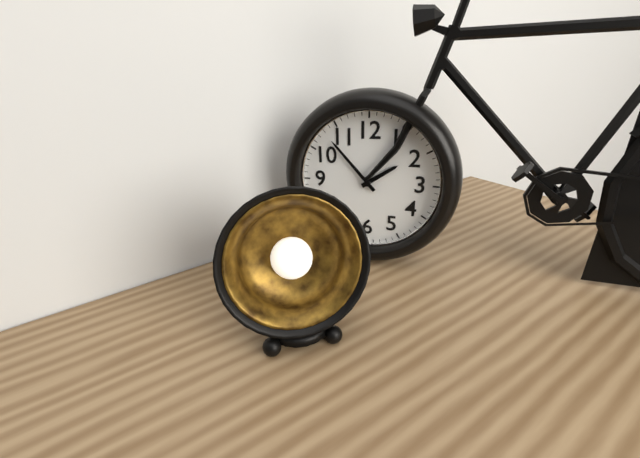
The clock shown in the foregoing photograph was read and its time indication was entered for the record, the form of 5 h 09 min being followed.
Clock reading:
1 h 53 min
